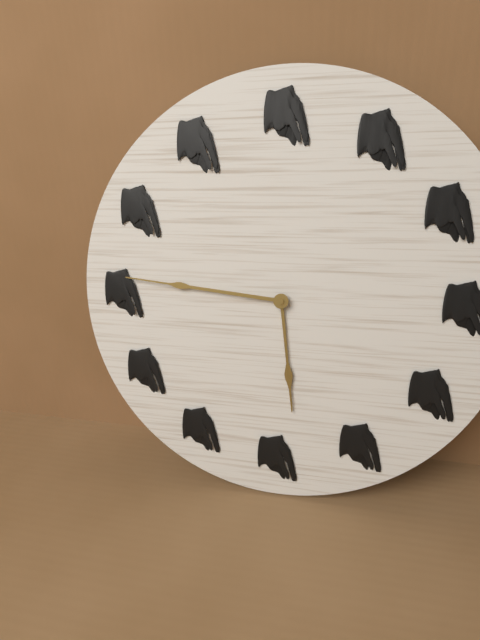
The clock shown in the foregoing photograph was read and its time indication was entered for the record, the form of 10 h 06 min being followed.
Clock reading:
5 h 46 min
